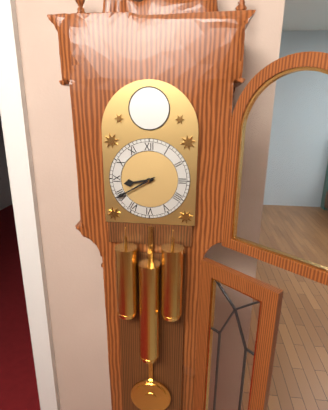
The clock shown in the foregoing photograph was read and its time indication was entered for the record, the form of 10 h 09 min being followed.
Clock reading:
8 h 40 min
